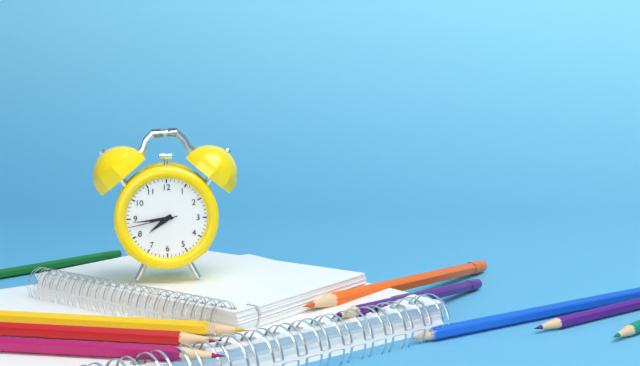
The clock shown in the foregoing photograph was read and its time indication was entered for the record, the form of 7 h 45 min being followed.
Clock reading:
7 h 44 min
